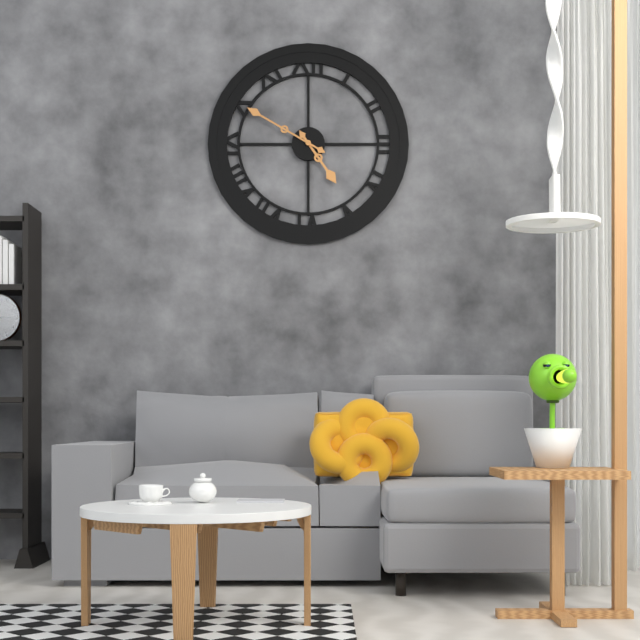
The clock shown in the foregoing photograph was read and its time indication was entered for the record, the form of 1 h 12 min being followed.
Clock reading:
4 h 50 min
